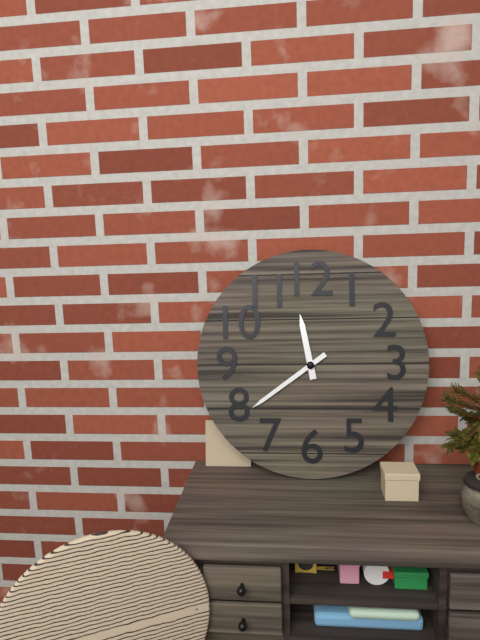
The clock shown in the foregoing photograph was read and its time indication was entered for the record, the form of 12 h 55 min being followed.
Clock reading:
11 h 39 min
